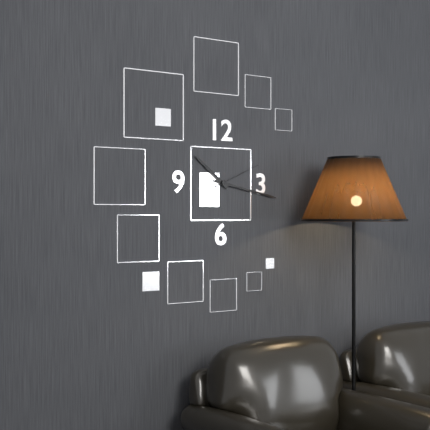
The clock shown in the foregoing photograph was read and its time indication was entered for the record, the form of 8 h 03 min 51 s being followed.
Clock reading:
10 h 17 min 11 s
